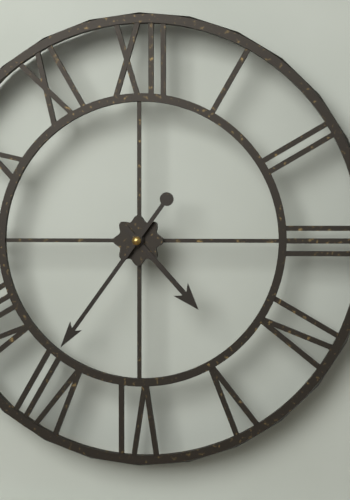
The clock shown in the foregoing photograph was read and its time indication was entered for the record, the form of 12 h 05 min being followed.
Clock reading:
4 h 36 min
